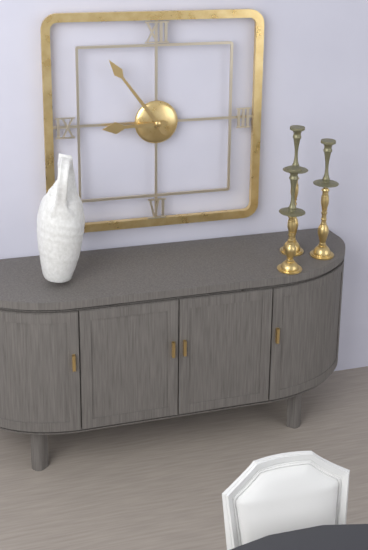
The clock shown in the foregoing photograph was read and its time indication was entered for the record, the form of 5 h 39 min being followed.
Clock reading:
8 h 54 min
